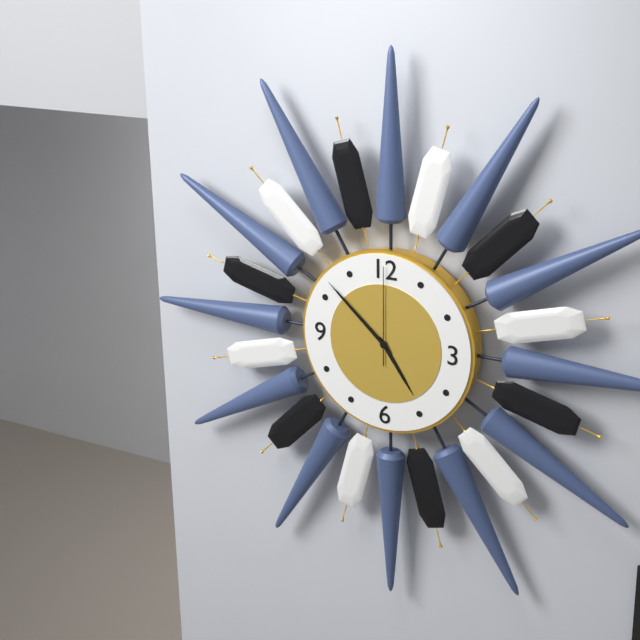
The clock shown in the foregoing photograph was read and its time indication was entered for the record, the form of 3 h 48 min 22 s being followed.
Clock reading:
4 h 52 min 00 s
